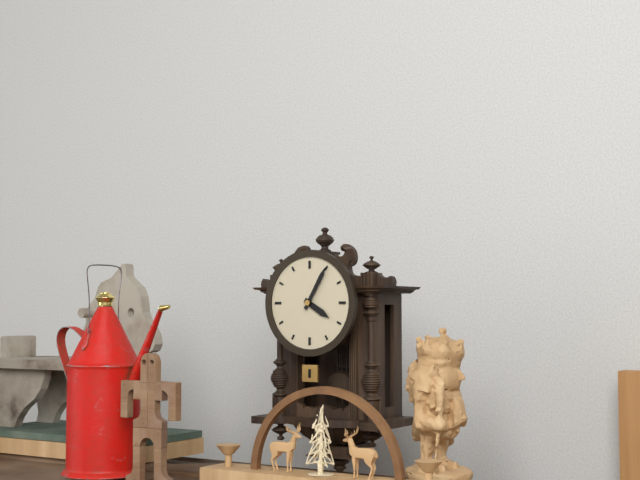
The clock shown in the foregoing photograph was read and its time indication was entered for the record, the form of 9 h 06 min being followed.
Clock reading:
4 h 05 min
